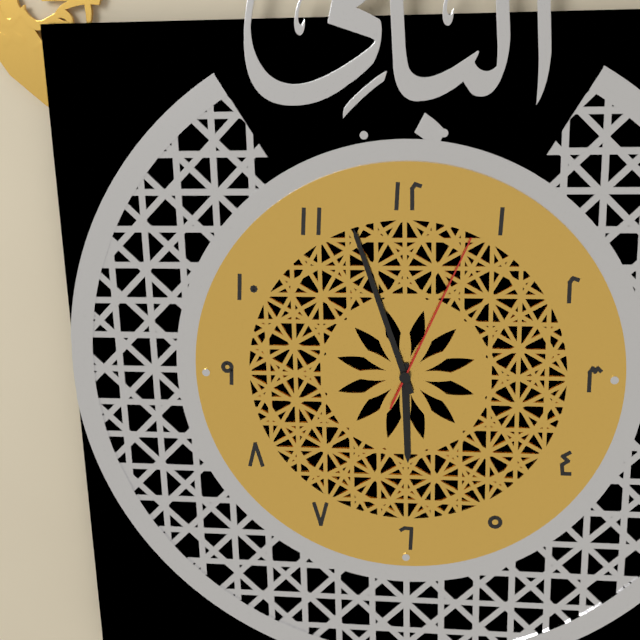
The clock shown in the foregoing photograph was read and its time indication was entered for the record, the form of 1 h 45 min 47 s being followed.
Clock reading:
5 h 57 min 04 s
